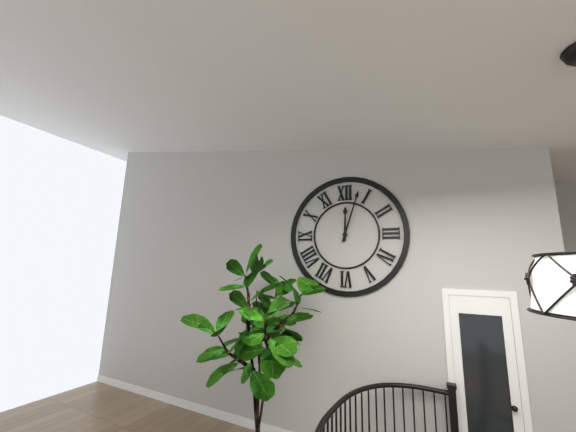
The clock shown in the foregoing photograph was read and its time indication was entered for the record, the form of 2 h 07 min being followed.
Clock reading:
12 h 03 min
